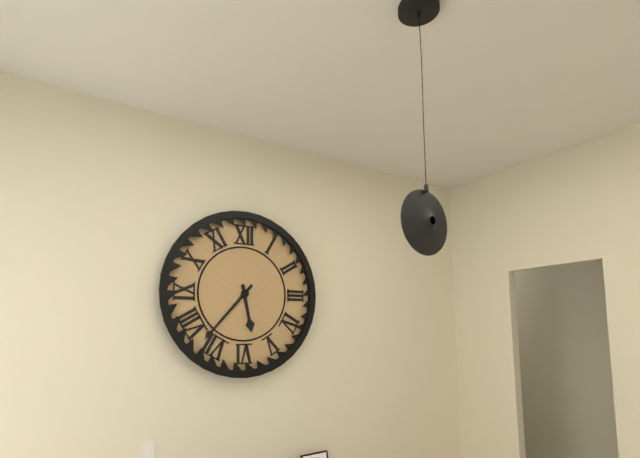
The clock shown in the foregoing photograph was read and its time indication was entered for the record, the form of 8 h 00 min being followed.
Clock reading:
5 h 37 min
